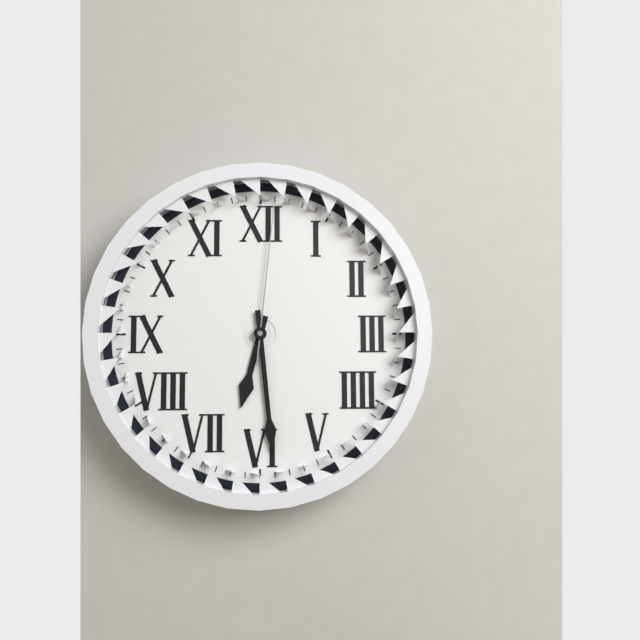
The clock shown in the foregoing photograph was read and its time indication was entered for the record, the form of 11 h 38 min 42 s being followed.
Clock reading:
6 h 29 min 01 s
